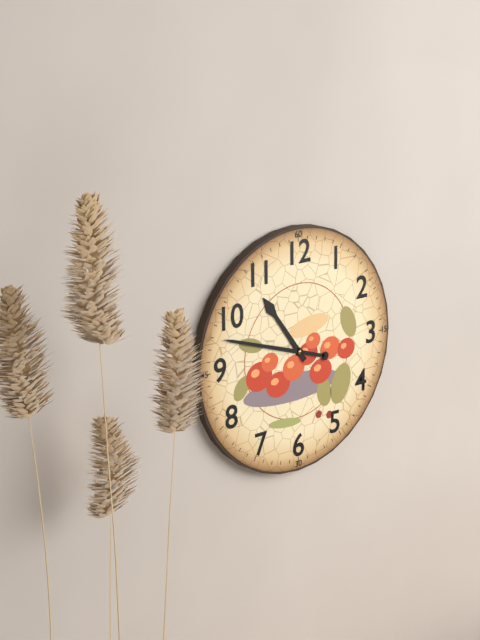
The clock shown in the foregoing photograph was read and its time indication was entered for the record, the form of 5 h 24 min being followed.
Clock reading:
10 h 48 min
